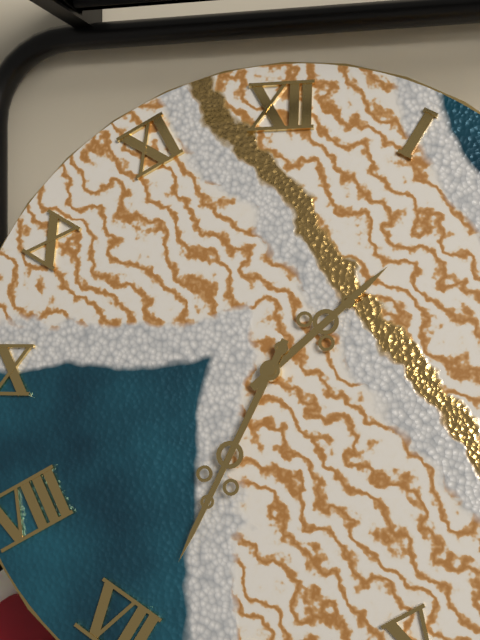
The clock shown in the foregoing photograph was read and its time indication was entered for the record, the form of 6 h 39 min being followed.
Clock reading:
1 h 34 min
